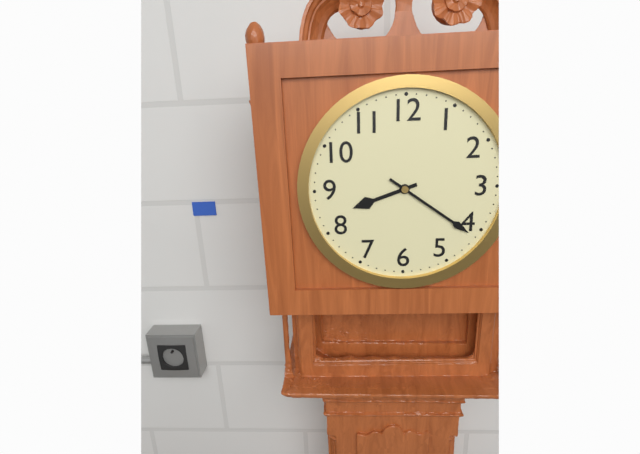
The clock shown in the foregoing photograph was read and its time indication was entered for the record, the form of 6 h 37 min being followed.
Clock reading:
8 h 21 min
